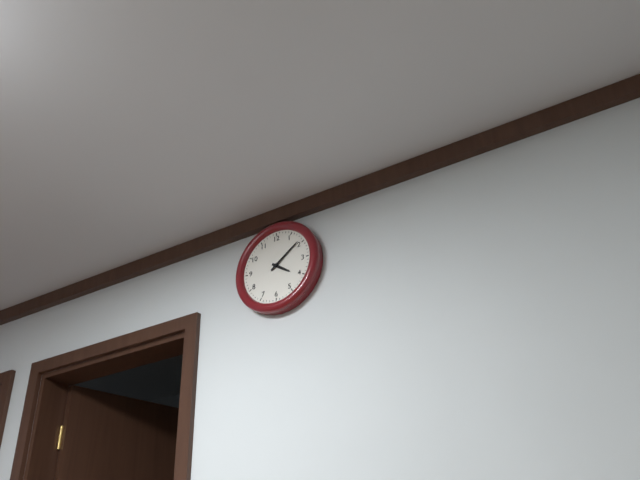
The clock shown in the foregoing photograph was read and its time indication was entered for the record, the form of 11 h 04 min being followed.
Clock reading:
4 h 09 min
